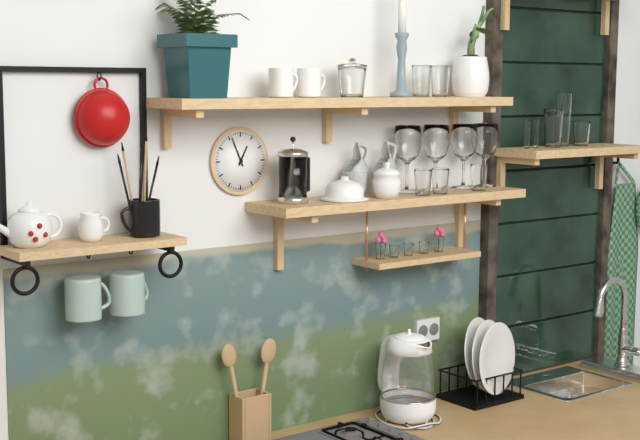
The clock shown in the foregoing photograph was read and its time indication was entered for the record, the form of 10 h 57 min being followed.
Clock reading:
12 h 56 min
